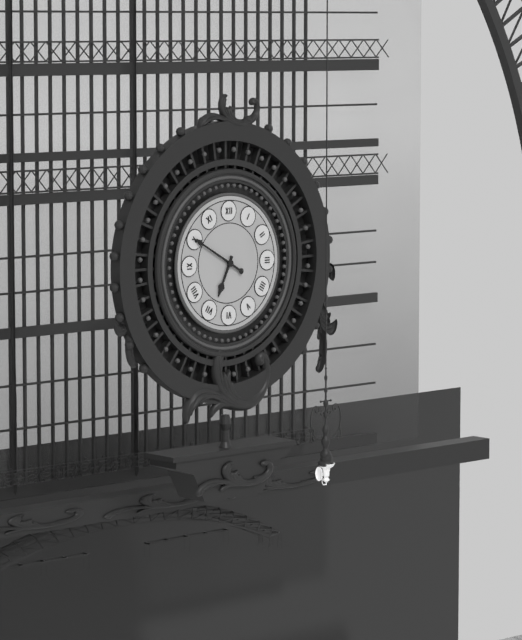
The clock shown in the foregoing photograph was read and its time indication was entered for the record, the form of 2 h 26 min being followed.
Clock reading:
6 h 50 min
